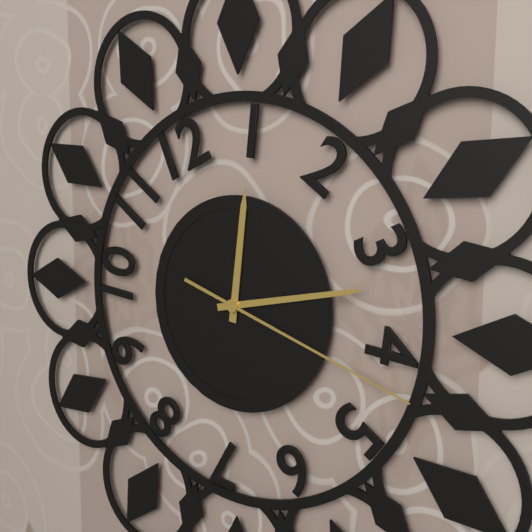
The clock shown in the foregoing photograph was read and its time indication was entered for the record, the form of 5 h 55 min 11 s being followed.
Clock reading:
12 h 13 min 18 s
